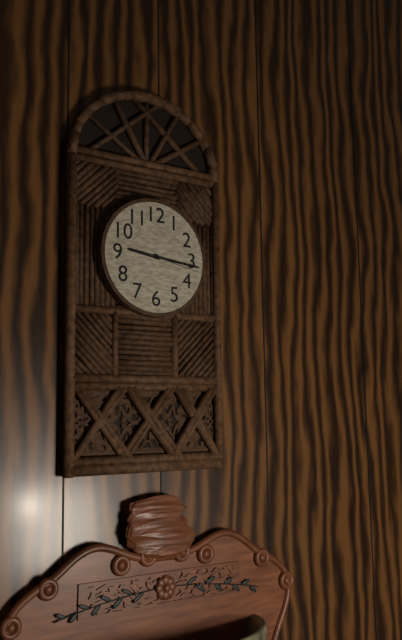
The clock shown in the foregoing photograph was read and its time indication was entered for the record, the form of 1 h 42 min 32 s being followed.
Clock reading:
9 h 16 min 17 s
